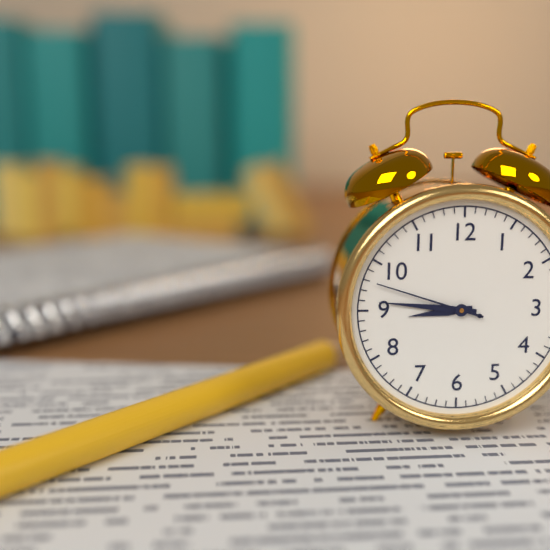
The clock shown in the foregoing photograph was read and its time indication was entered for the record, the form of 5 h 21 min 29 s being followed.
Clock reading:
8 h 46 min 48 s
